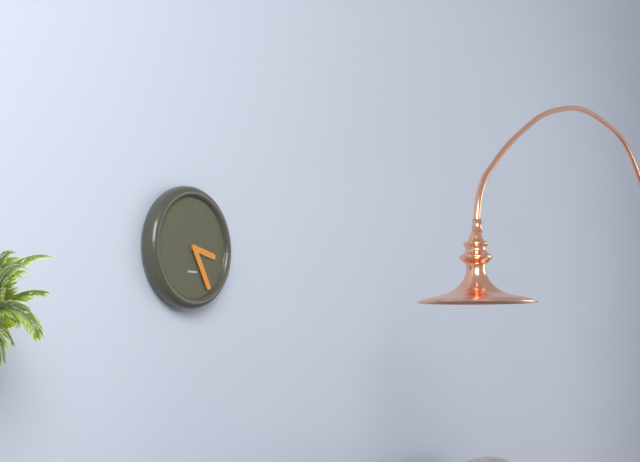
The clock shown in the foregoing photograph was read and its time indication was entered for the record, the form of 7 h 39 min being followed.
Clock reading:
3 h 25 min
